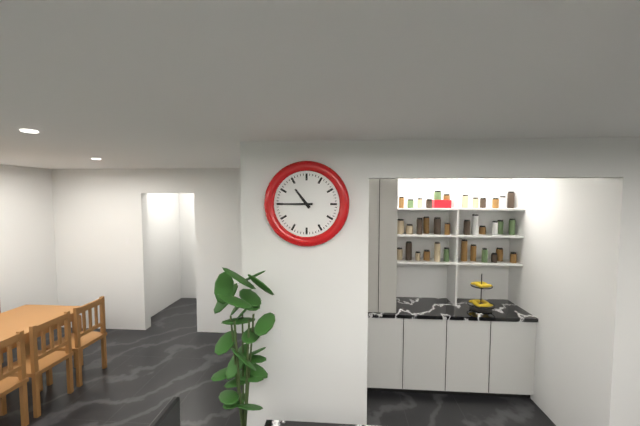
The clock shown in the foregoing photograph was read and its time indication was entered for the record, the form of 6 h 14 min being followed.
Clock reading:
10 h 45 min
